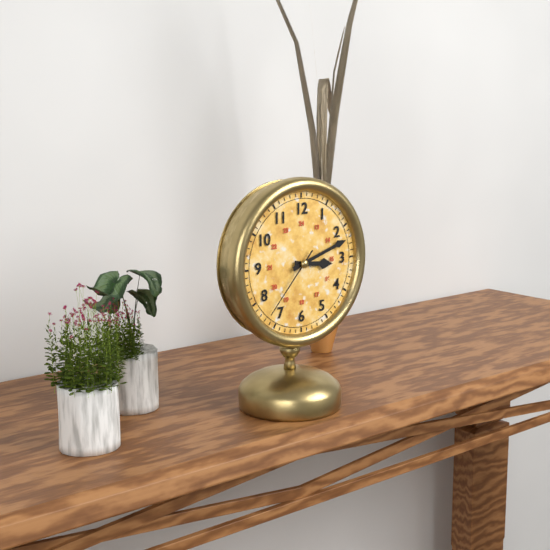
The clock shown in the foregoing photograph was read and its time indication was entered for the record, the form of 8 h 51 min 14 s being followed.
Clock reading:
3 h 12 min 37 s
